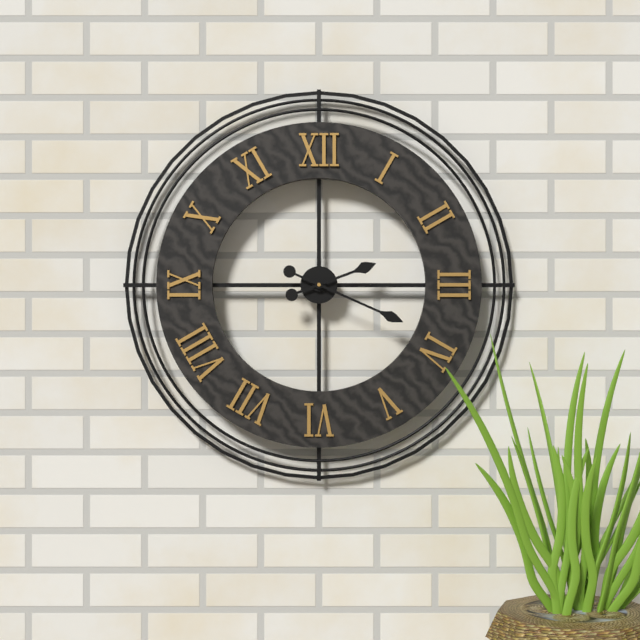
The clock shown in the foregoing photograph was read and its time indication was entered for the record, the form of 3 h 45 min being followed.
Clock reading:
2 h 19 min
